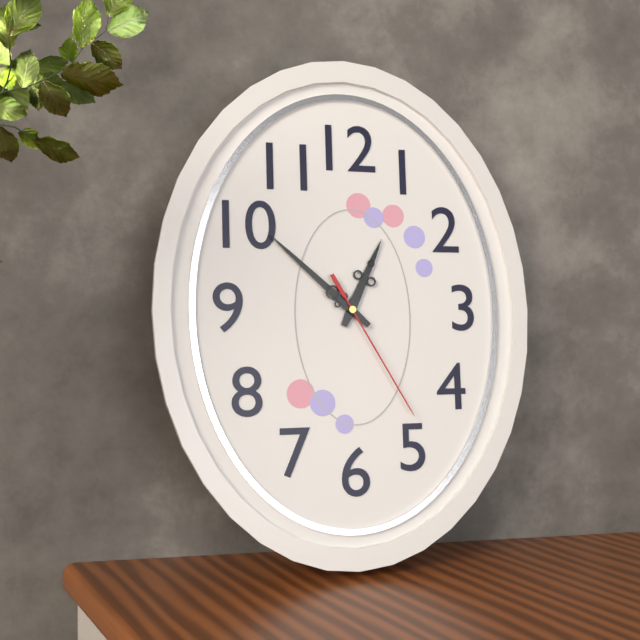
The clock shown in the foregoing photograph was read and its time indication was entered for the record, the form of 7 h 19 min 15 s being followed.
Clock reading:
12 h 52 min 25 s
